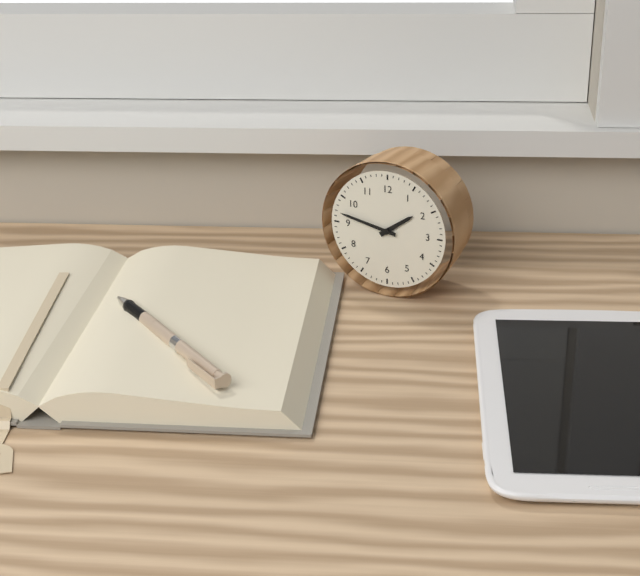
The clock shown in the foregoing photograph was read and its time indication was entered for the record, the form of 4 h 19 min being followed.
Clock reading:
1 h 47 min
